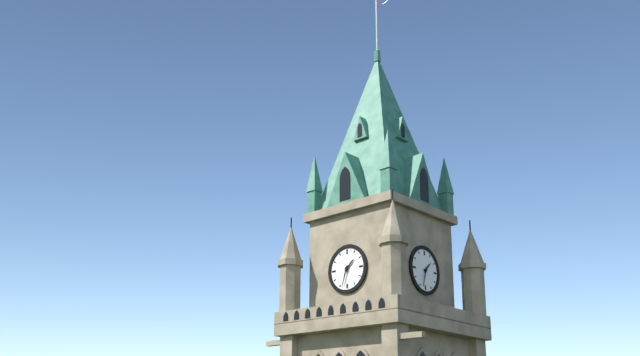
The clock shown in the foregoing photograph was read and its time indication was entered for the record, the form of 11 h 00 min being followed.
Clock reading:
1 h 33 min
